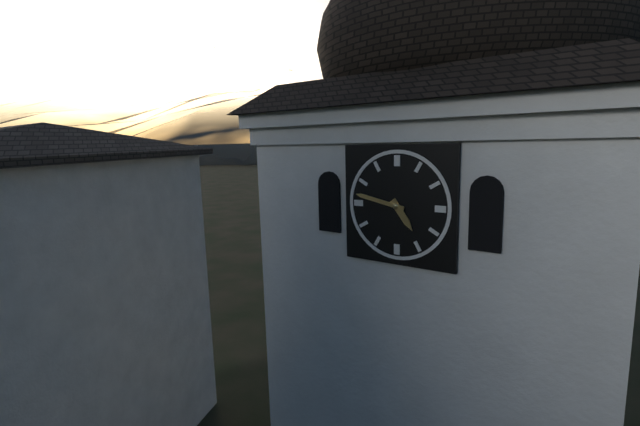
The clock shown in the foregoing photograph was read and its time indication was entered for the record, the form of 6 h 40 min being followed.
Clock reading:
4 h 47 min
